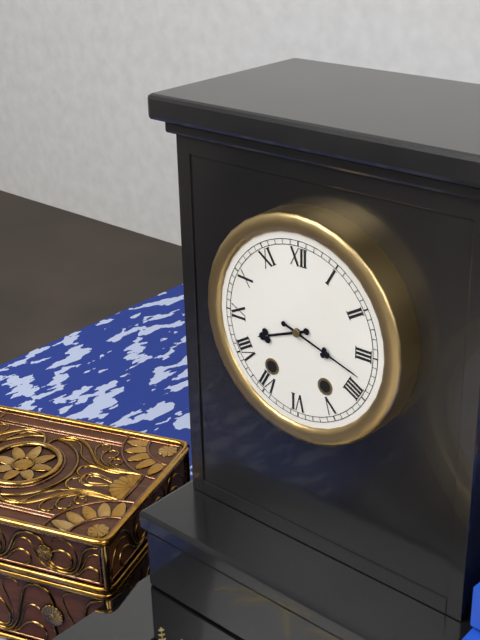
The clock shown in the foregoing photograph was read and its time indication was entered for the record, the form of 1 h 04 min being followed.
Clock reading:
8 h 18 min
